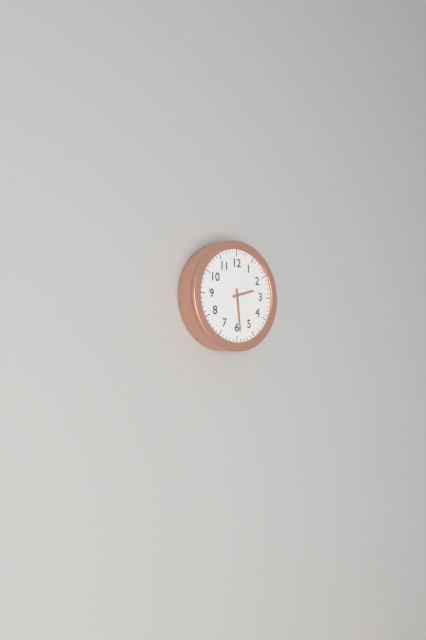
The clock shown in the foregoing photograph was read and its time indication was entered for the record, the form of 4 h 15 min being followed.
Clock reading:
2 h 29 min
